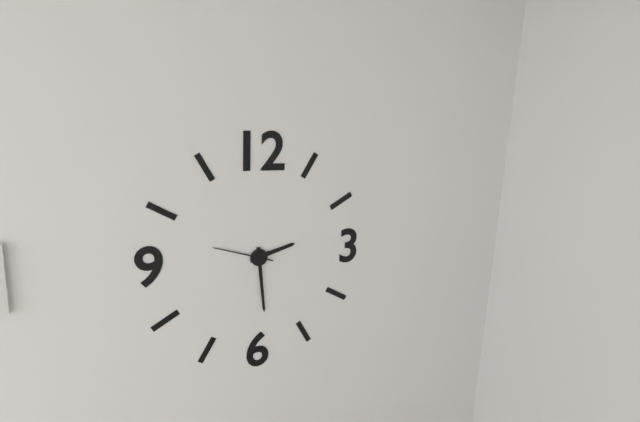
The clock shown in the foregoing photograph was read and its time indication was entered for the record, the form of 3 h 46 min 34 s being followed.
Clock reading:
2 h 29 min 48 s
